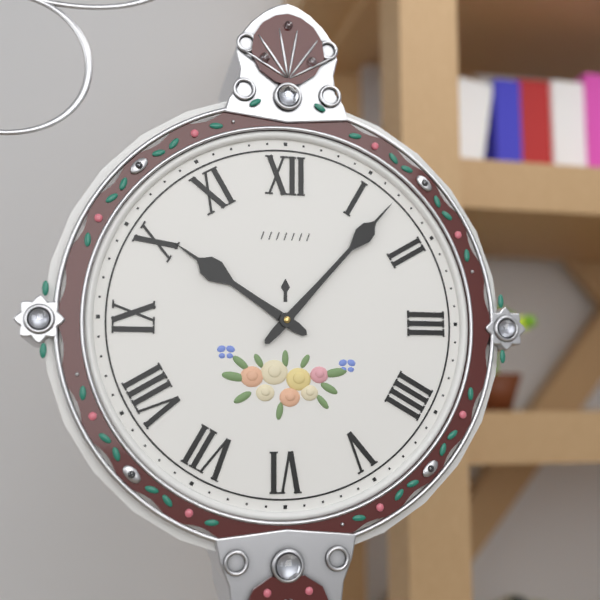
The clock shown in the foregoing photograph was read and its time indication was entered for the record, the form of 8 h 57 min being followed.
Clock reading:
10 h 07 min
